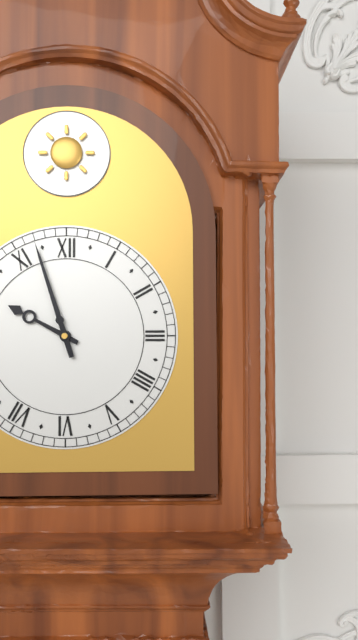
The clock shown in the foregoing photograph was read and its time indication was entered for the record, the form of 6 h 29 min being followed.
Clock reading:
9 h 57 min
